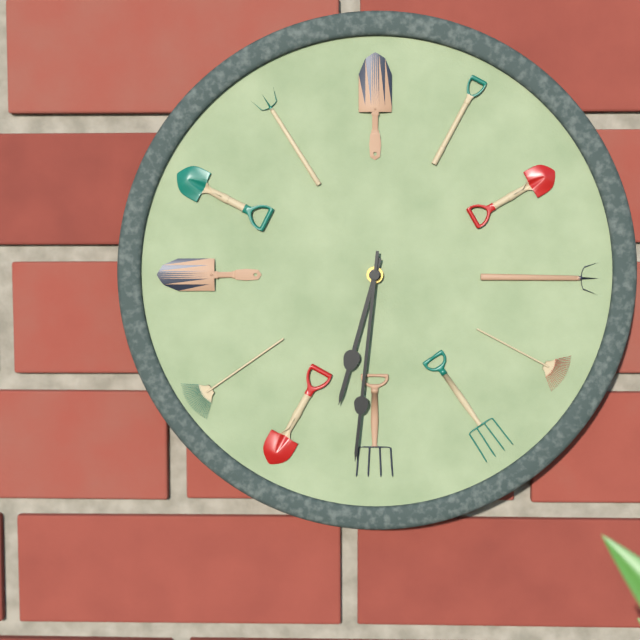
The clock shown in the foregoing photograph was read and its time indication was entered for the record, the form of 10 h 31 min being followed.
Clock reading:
6 h 31 min
